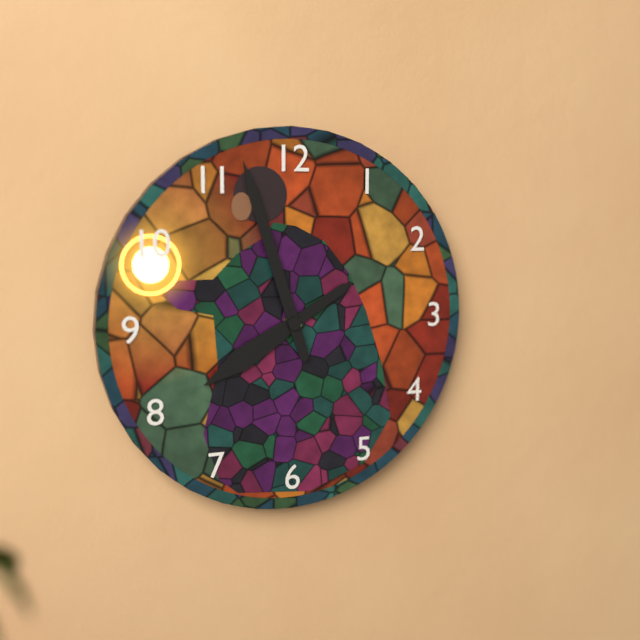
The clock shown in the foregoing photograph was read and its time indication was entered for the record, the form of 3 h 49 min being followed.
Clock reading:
7 h 57 min
